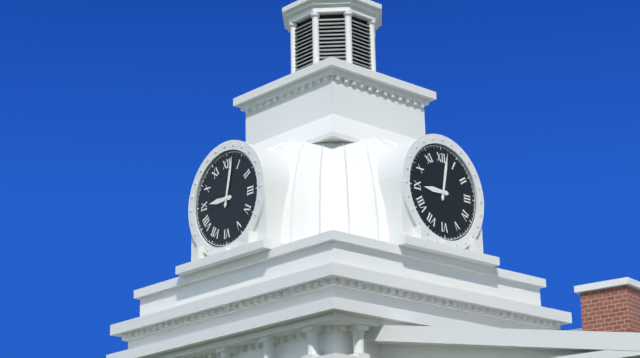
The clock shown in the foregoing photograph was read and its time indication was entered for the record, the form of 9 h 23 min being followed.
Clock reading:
9 h 02 min
